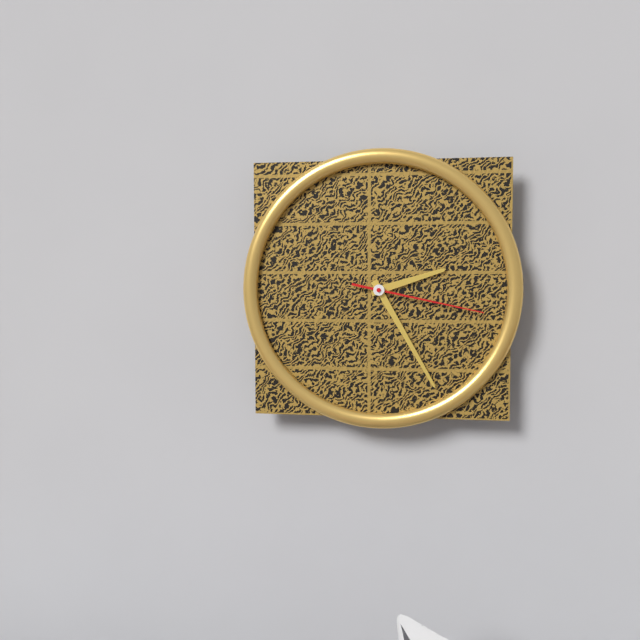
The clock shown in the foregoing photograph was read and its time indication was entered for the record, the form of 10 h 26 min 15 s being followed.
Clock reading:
2 h 25 min 17 s
